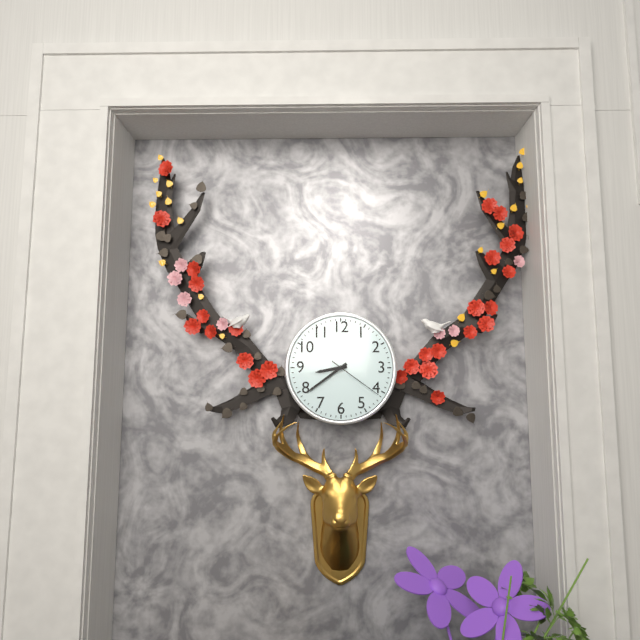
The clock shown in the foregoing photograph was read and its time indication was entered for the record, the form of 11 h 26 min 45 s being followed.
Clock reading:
8 h 39 min 21 s
